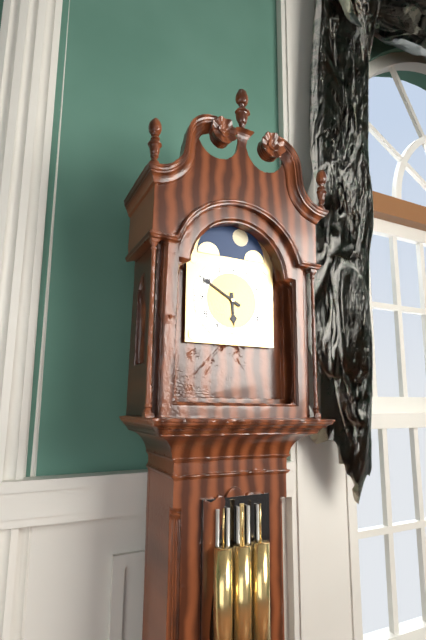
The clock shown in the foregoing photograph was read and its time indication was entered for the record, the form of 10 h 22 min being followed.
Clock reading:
5 h 50 min
